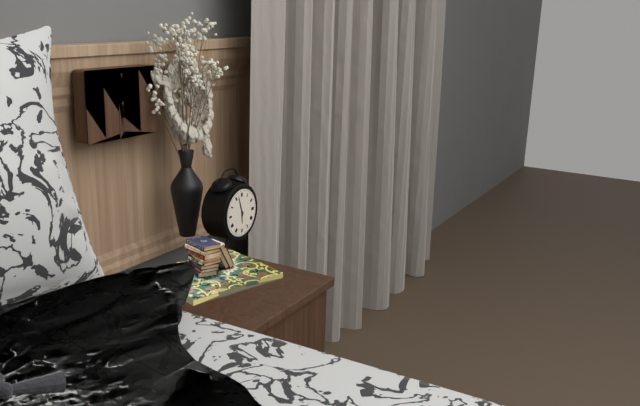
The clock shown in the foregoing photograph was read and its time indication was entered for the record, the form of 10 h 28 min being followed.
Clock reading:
5 h 57 min
